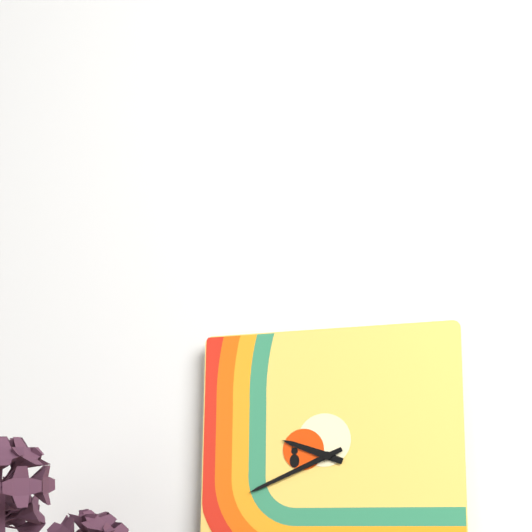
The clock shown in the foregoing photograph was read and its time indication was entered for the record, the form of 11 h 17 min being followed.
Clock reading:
9 h 41 min
